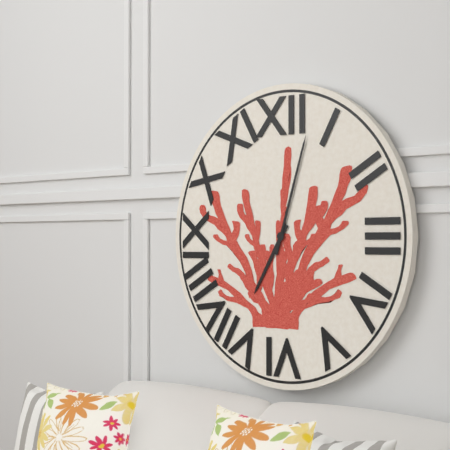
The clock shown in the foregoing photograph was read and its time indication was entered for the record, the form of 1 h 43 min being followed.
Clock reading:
7 h 03 min
